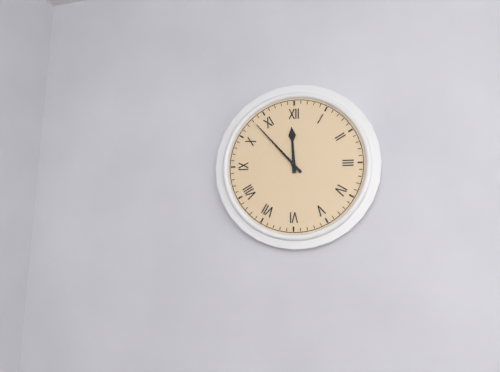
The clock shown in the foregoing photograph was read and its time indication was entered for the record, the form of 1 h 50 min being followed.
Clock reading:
11 h 53 min
